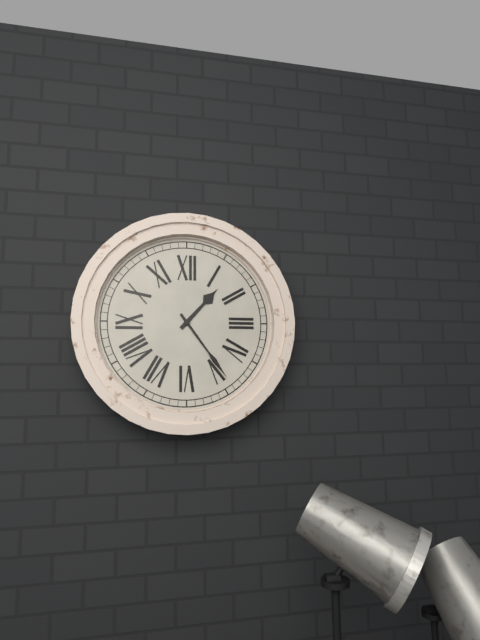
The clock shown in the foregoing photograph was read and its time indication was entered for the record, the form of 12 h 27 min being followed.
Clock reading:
1 h 24 min
